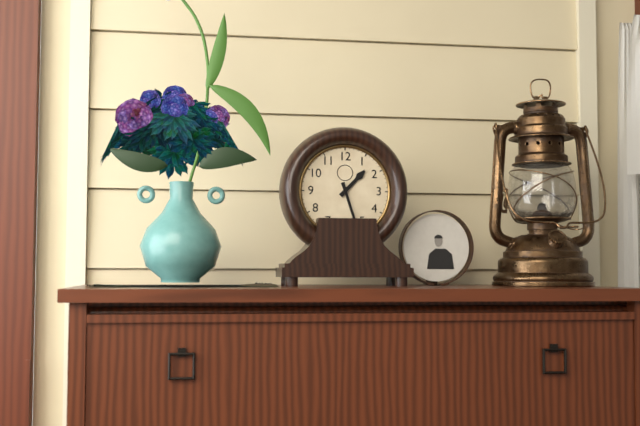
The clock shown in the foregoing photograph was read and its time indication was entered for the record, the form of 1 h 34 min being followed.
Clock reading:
1 h 27 min
